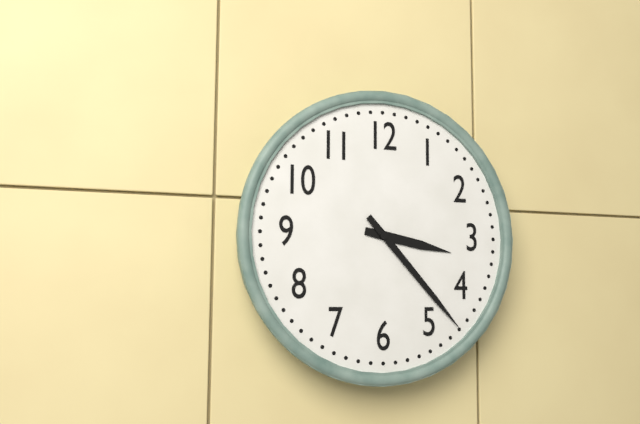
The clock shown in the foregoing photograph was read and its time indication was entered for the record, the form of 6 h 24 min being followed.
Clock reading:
3 h 23 min
